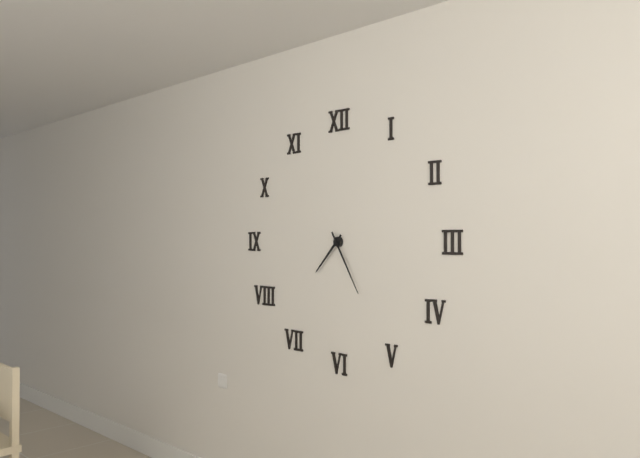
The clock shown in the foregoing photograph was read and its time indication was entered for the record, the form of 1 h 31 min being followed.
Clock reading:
7 h 25 min
